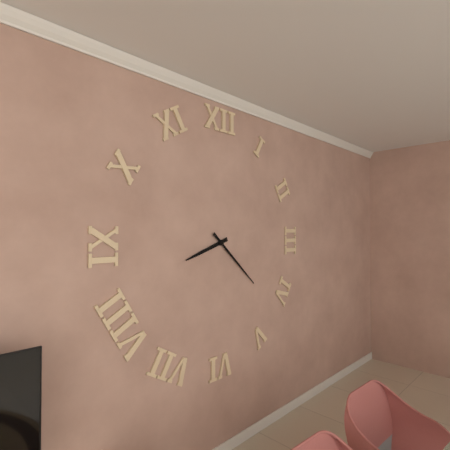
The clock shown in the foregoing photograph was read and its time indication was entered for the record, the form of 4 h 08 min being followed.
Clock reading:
8 h 22 min
